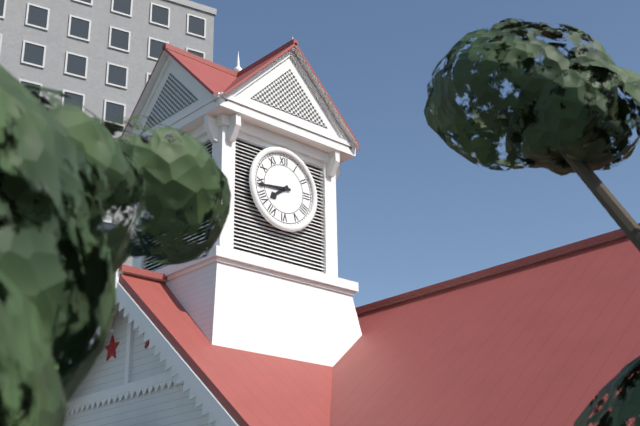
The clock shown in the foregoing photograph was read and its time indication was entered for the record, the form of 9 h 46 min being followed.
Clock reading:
7 h 44 min
